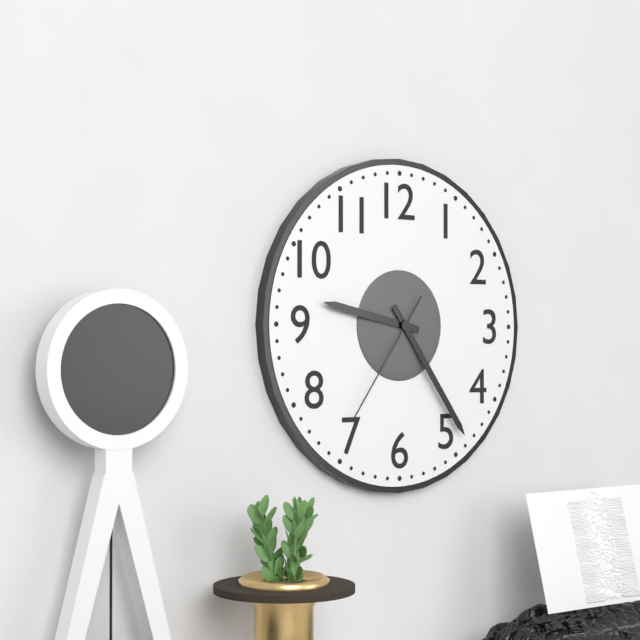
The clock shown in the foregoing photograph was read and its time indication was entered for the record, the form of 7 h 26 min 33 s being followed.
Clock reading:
9 h 24 min 36 s
